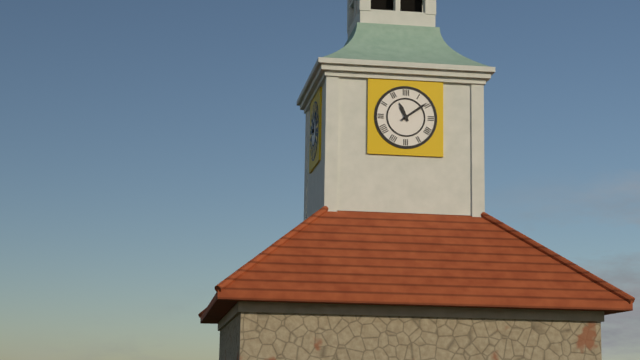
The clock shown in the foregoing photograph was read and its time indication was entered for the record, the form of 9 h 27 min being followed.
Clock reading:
11 h 09 min
